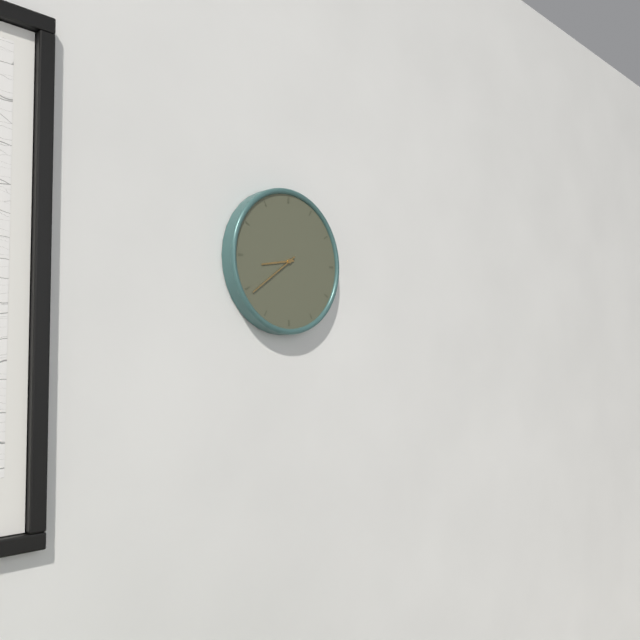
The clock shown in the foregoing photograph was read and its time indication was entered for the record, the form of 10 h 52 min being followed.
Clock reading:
8 h 39 min
